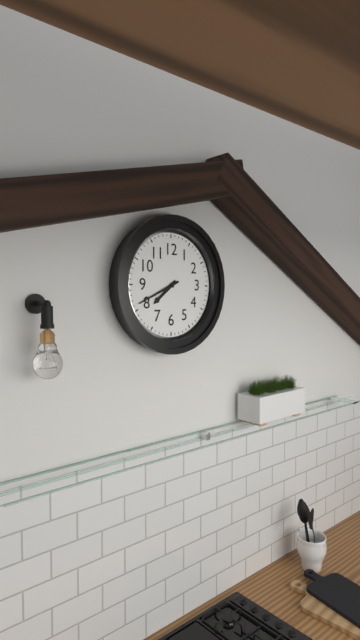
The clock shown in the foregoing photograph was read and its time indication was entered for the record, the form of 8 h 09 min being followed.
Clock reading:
7 h 41 min
